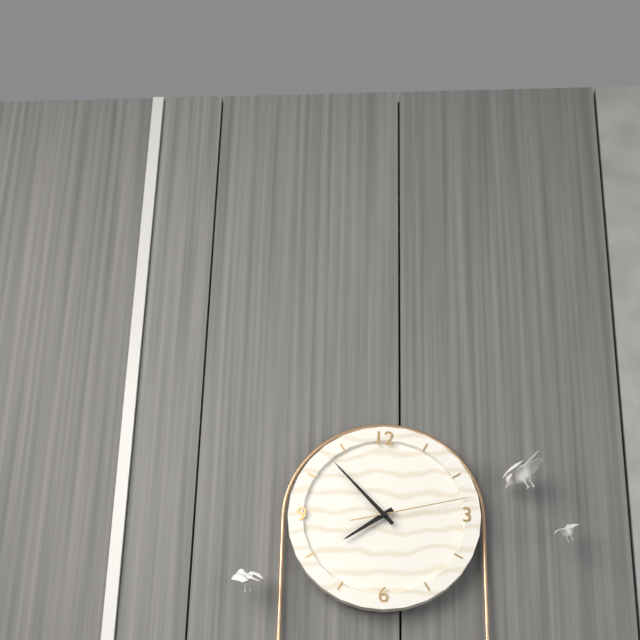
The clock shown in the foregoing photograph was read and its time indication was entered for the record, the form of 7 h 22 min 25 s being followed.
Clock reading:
7 h 53 min 13 s
